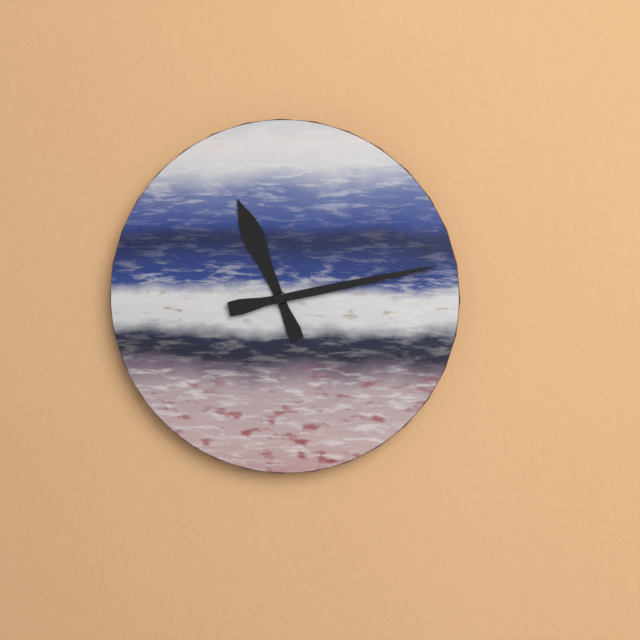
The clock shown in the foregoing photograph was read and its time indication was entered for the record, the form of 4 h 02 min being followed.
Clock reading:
11 h 13 min
